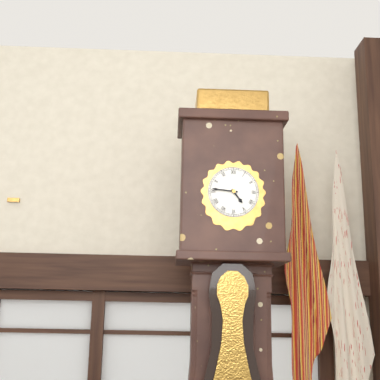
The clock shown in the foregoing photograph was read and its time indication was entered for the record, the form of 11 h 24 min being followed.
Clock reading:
4 h 46 min
